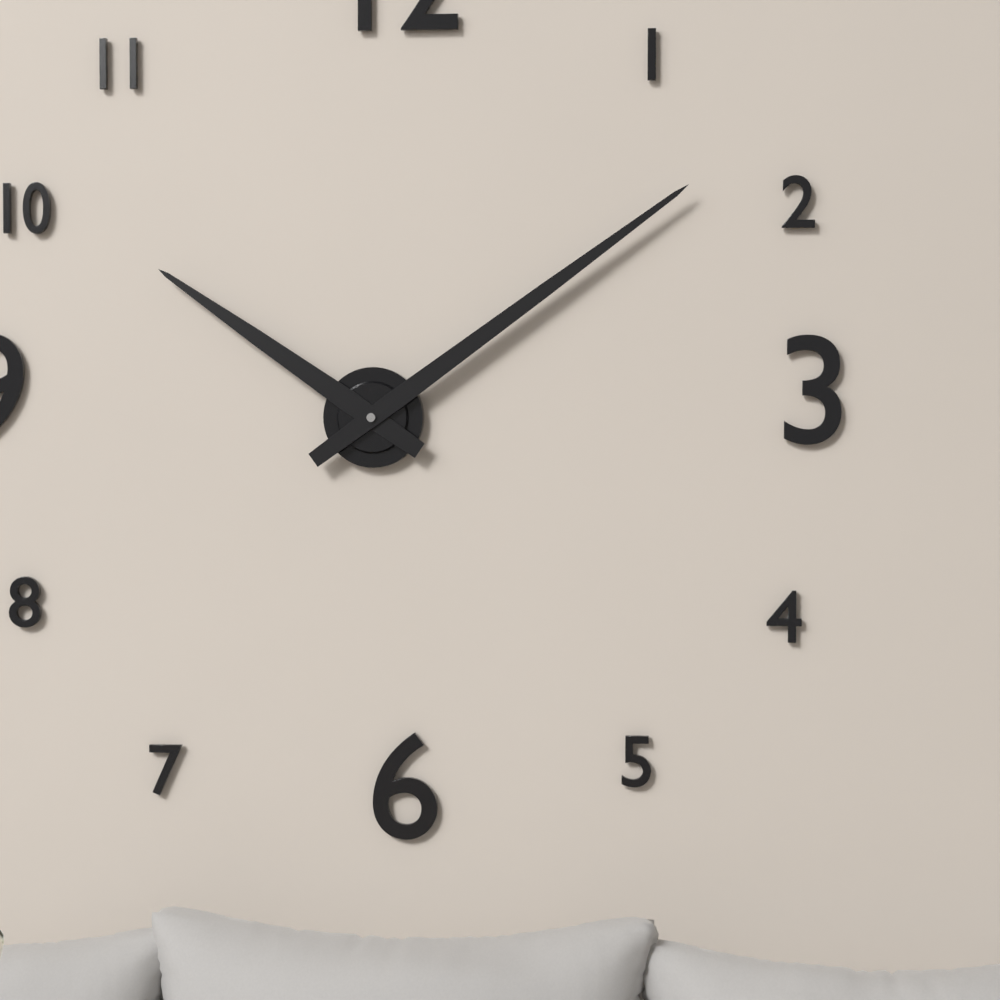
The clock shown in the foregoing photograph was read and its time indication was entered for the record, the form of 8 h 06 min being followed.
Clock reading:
10 h 09 min
